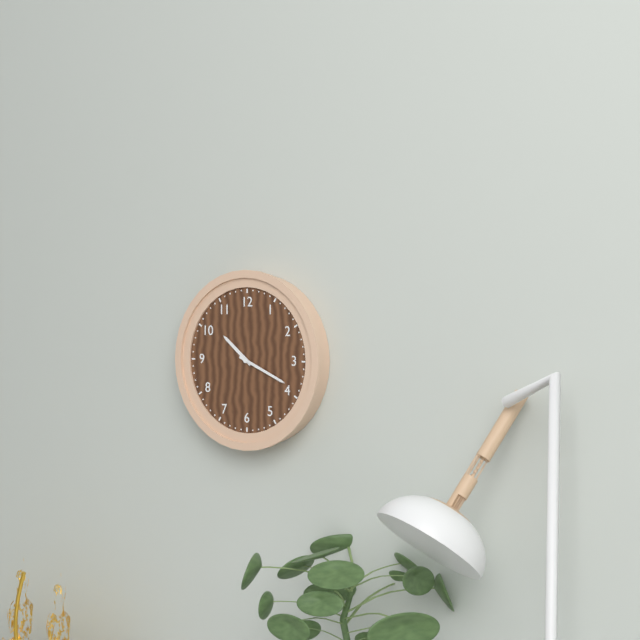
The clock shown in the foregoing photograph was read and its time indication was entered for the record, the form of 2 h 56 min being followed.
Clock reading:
10 h 19 min
